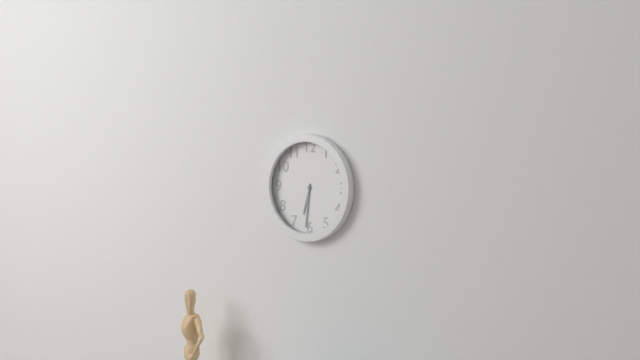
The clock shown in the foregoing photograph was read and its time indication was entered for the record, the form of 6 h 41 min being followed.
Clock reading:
6 h 31 min
